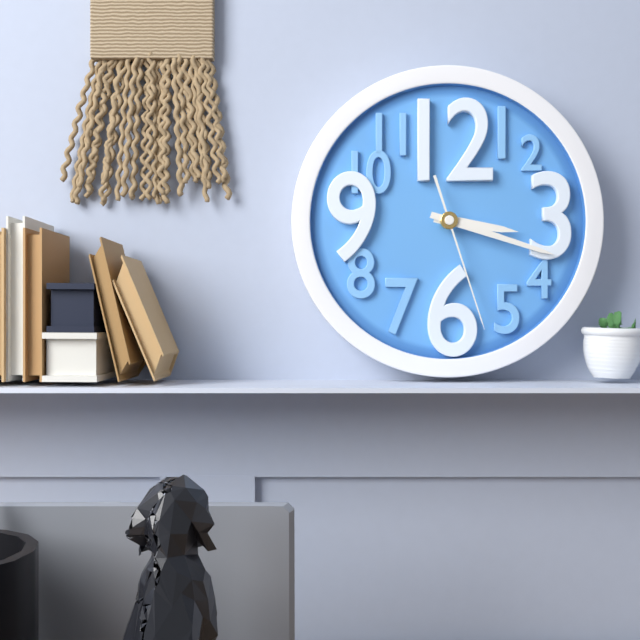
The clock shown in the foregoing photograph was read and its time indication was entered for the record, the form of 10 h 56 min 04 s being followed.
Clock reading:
3 h 18 min 27 s
